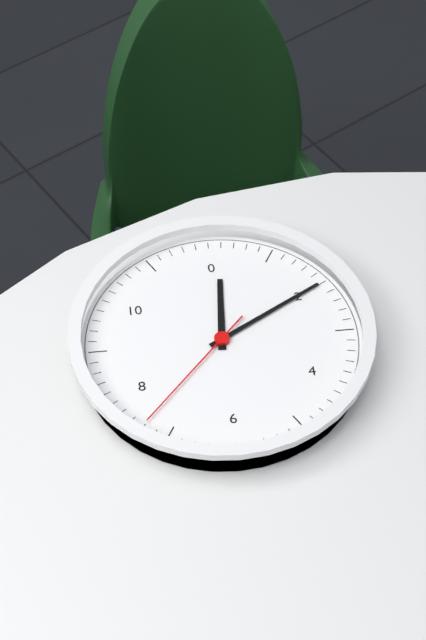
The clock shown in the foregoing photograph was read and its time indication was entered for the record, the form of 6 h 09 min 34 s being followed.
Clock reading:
12 h 10 min 37 s
